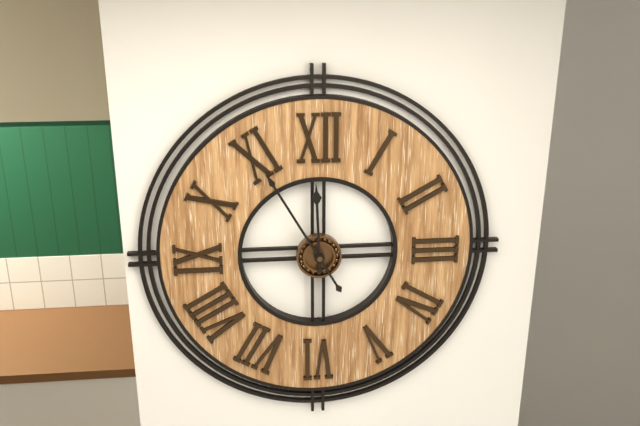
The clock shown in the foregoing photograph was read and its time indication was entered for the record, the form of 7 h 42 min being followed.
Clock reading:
11 h 55 min
